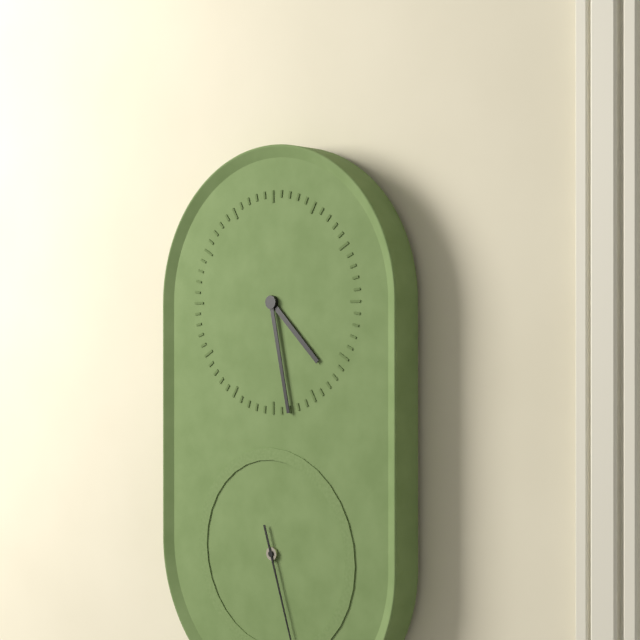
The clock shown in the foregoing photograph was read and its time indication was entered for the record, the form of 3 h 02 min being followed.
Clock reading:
4 h 28 min
